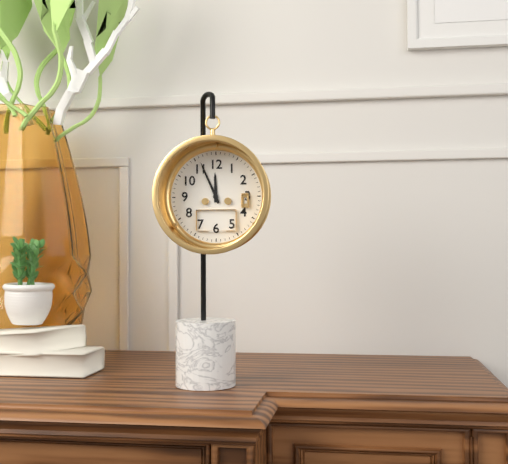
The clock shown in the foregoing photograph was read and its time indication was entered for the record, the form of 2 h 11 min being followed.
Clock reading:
11 h 56 min
